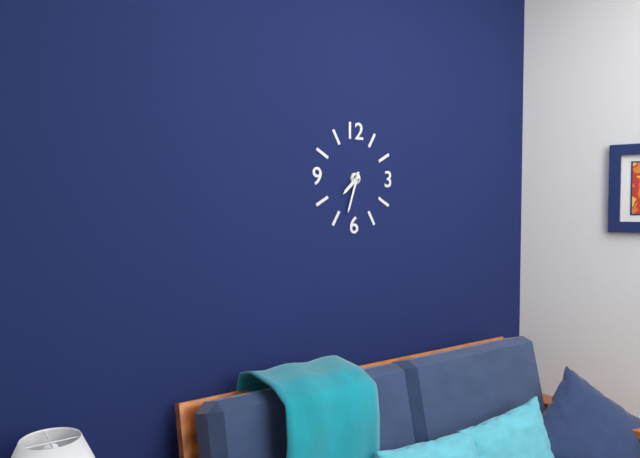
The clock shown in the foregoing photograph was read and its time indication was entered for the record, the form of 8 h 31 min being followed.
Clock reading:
7 h 33 min
